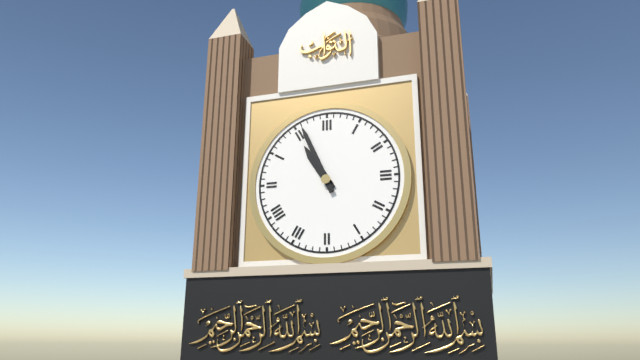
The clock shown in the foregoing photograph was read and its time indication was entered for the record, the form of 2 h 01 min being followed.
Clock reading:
10 h 56 min
